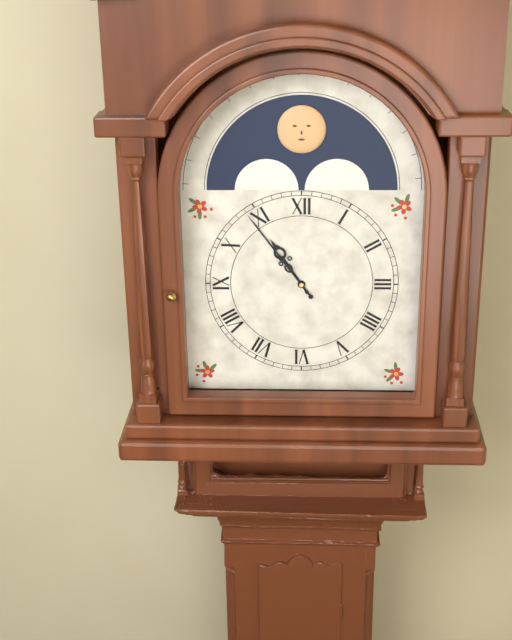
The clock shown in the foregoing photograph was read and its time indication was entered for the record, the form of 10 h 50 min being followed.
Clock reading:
10 h 54 min
